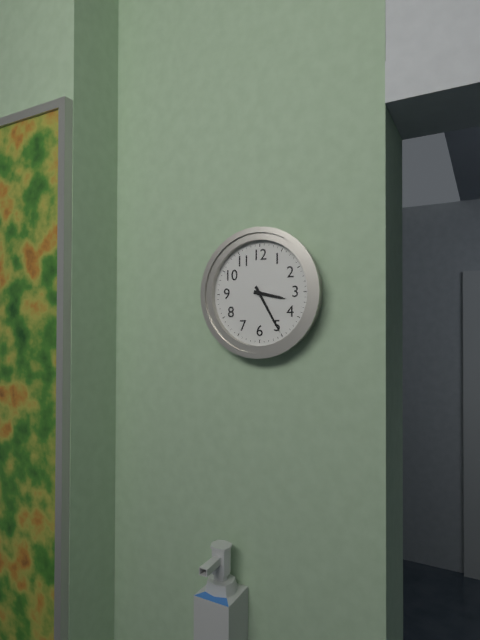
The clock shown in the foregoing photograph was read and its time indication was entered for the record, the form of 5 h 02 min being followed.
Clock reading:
3 h 25 min
